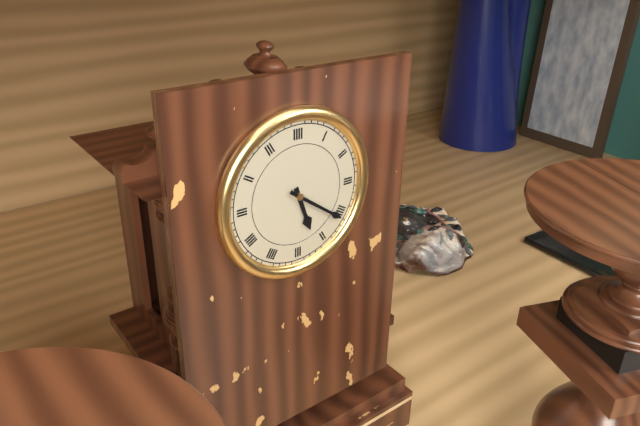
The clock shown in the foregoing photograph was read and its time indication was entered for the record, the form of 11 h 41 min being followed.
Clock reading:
5 h 21 min
